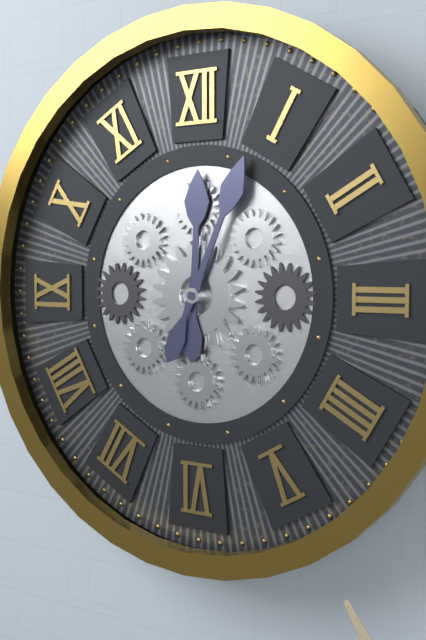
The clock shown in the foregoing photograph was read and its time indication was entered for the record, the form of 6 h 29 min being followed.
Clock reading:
12 h 04 min
